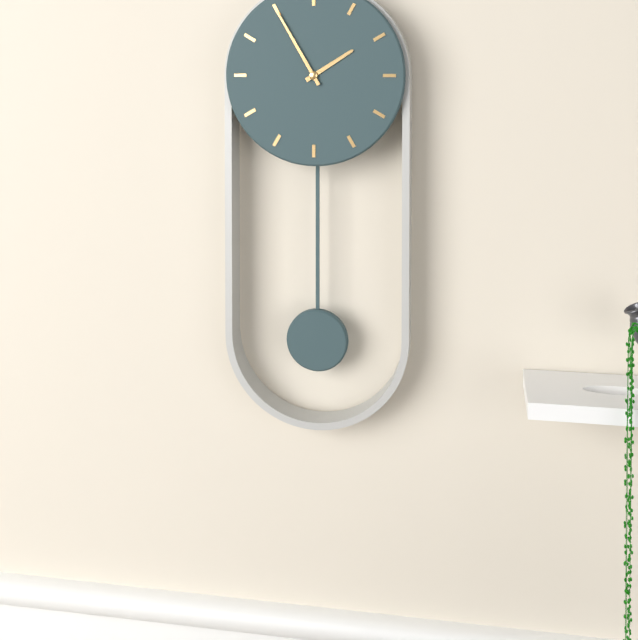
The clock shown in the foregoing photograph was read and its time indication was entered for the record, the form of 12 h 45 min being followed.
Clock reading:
1 h 55 min
